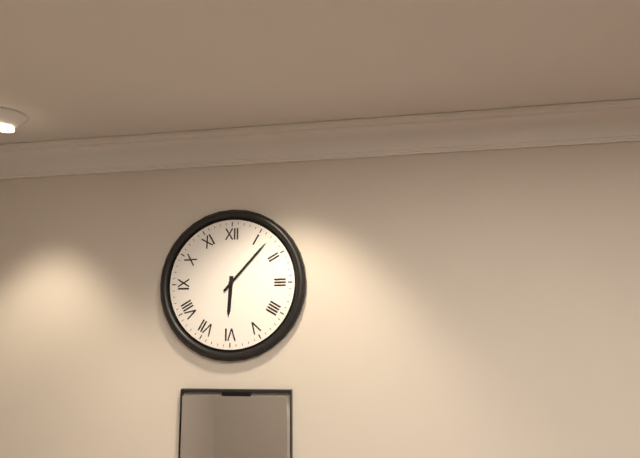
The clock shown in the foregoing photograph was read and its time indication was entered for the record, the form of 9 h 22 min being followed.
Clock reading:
6 h 07 min
